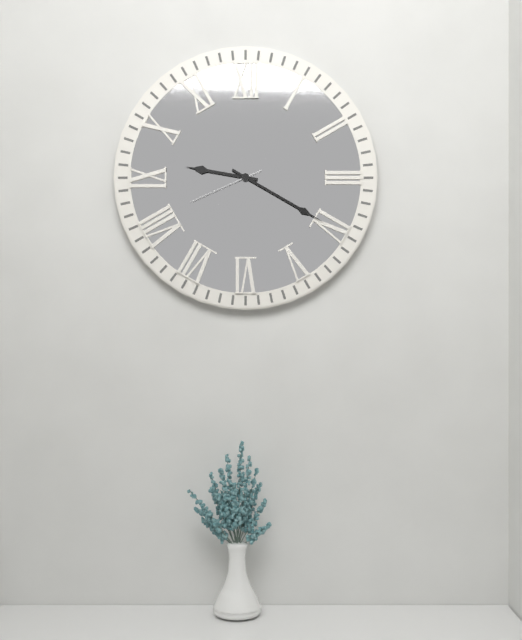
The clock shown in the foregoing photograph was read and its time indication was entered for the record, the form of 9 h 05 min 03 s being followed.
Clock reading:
9 h 20 min 41 s
